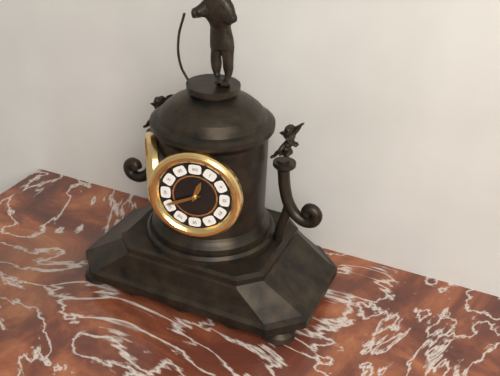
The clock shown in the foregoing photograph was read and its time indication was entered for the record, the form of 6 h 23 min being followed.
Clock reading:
12 h 41 min
